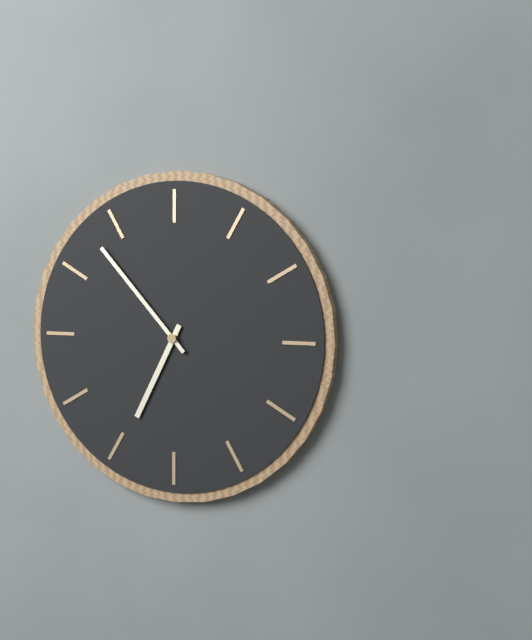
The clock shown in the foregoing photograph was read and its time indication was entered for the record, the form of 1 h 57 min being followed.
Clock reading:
6 h 53 min
